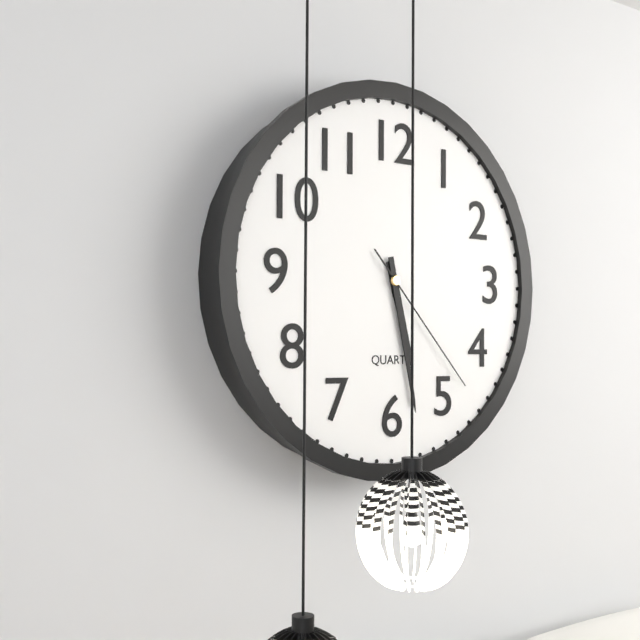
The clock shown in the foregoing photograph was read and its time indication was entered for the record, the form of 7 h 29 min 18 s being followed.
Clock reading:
5 h 28 min 23 s
